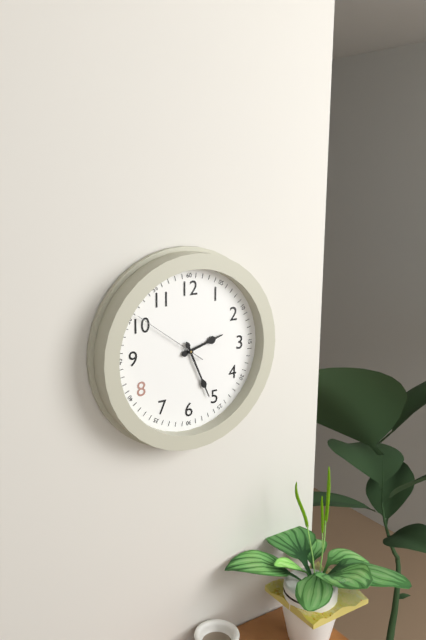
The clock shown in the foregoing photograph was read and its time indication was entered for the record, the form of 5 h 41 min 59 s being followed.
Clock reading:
2 h 26 min 51 s
